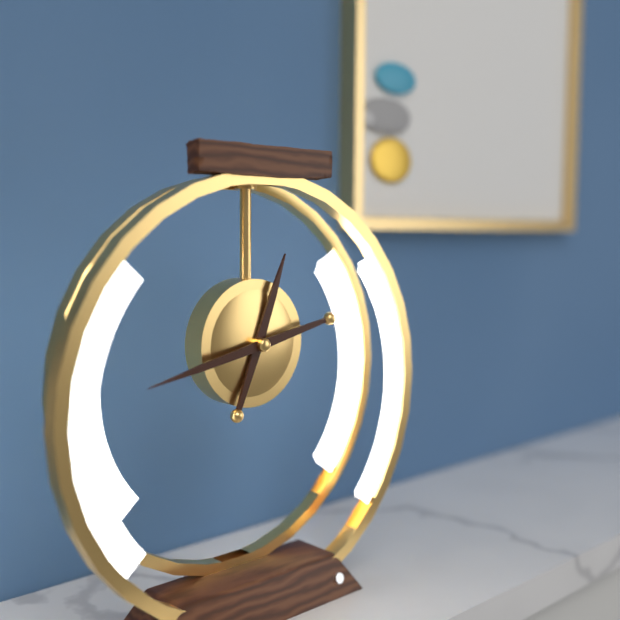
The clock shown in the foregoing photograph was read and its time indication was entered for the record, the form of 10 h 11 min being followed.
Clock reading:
12 h 43 min
